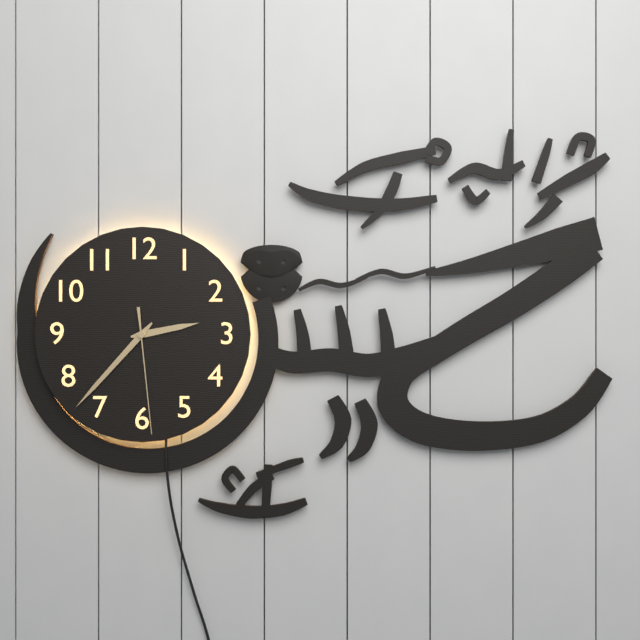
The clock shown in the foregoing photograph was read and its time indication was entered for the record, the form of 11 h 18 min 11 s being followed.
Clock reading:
2 h 37 min 29 s
